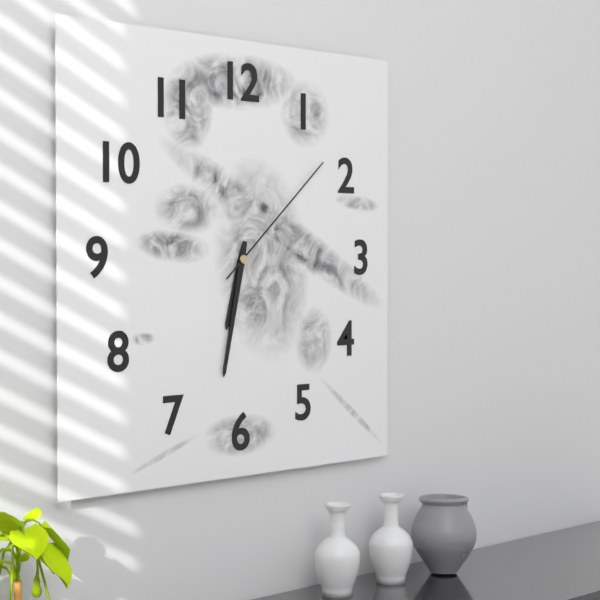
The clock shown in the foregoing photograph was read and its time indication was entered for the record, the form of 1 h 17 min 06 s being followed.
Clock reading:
6 h 32 min 08 s
